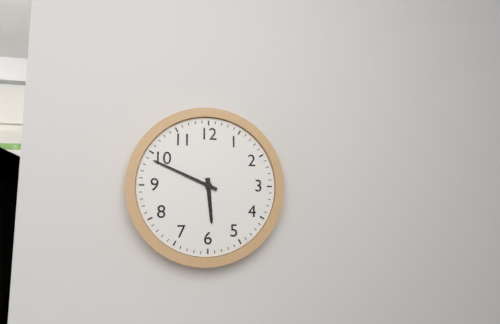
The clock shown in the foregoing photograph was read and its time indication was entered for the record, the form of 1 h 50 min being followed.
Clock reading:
5 h 49 min
